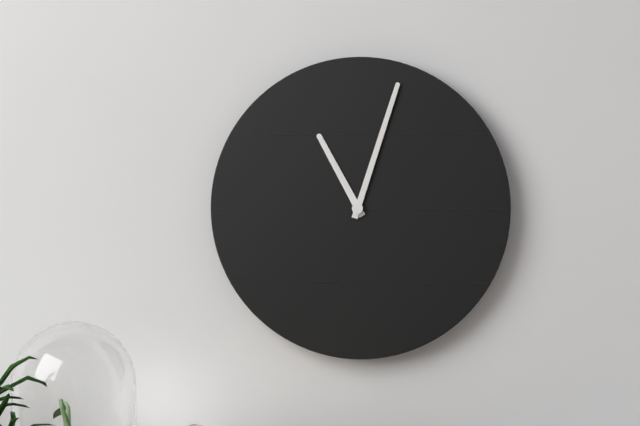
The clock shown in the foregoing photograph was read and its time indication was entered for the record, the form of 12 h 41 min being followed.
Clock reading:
11 h 03 min
